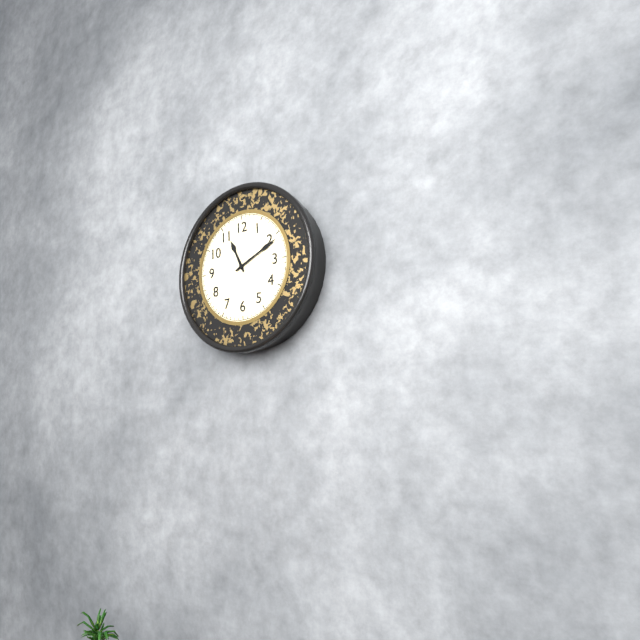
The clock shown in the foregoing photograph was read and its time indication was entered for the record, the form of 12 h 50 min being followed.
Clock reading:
11 h 11 min
